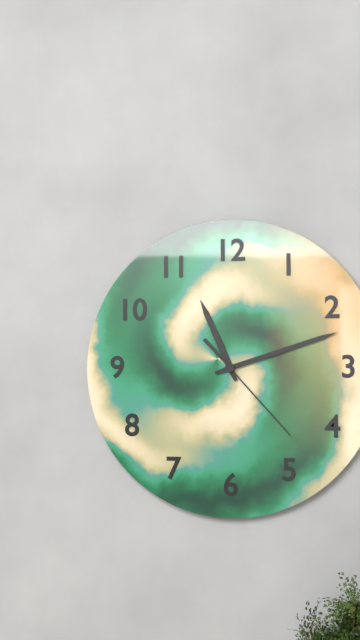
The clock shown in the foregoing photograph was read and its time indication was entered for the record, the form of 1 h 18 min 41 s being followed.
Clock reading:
11 h 12 min 23 s
